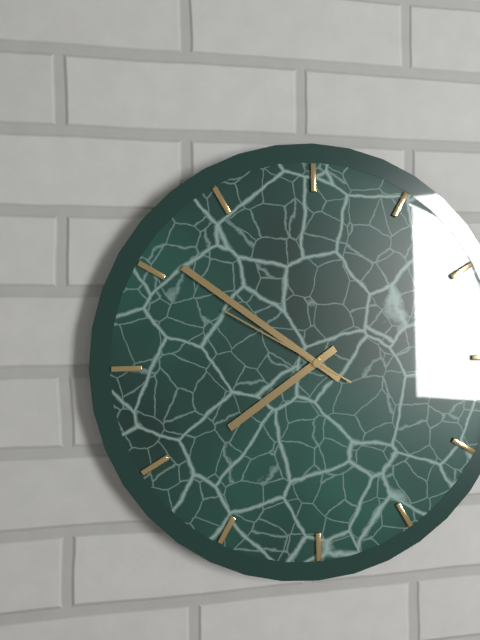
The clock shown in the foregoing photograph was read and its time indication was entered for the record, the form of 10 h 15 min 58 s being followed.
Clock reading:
7 h 51 min 50 s
